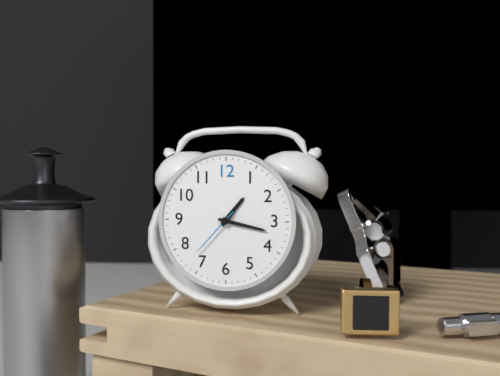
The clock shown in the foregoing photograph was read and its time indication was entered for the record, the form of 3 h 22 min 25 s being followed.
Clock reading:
1 h 17 min 37 s
